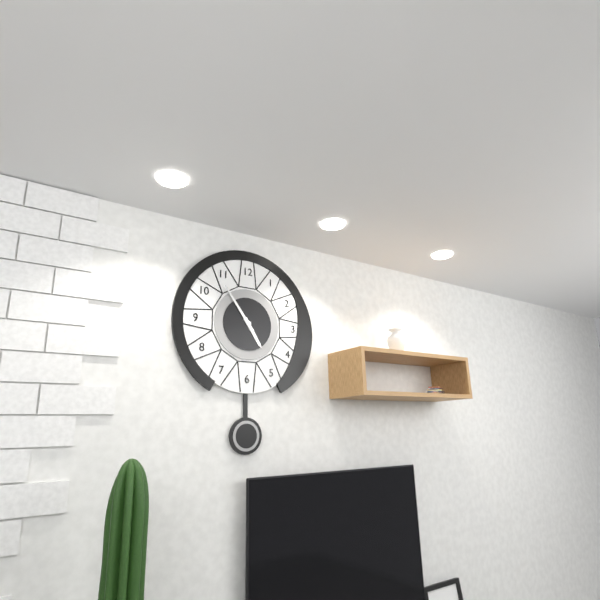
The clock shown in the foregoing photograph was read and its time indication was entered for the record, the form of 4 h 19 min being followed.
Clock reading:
4 h 54 min
